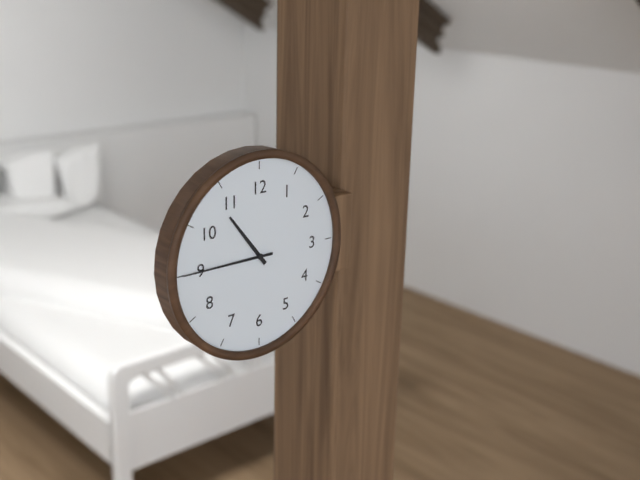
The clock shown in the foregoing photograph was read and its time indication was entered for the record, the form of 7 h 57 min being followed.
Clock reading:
10 h 45 min
